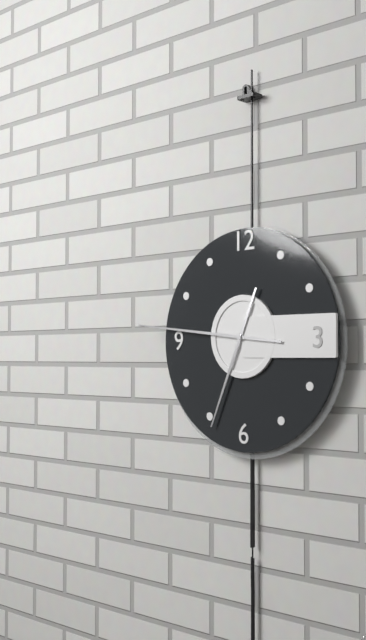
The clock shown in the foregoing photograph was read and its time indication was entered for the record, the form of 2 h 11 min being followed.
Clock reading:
6 h 46 min
